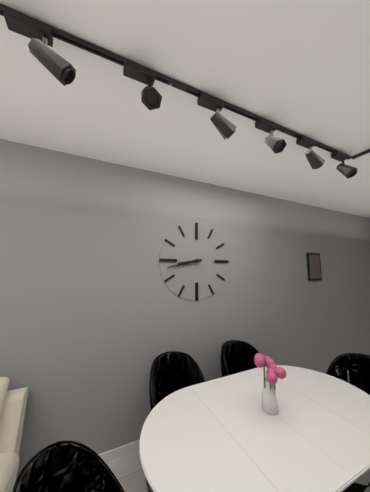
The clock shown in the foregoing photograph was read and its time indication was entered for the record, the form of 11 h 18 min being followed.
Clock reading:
8 h 43 min
